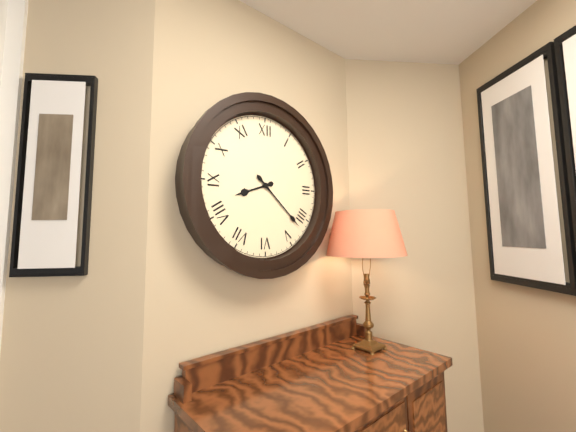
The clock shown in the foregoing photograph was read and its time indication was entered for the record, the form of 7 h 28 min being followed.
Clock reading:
8 h 22 min
